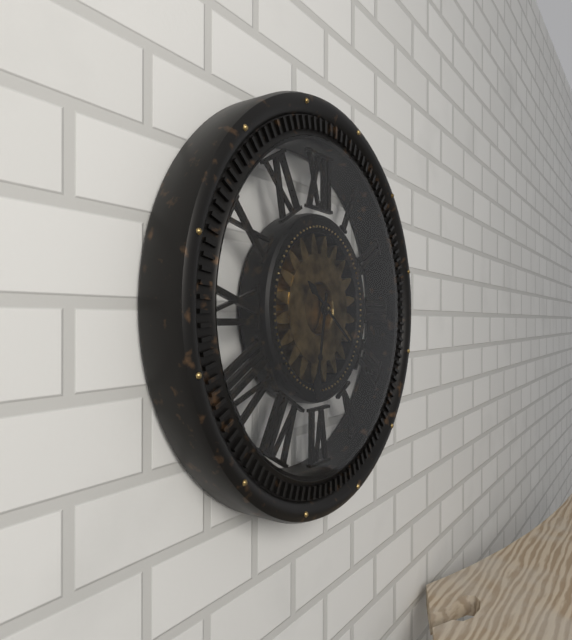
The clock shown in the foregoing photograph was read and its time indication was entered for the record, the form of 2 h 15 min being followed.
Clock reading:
6 h 21 min
